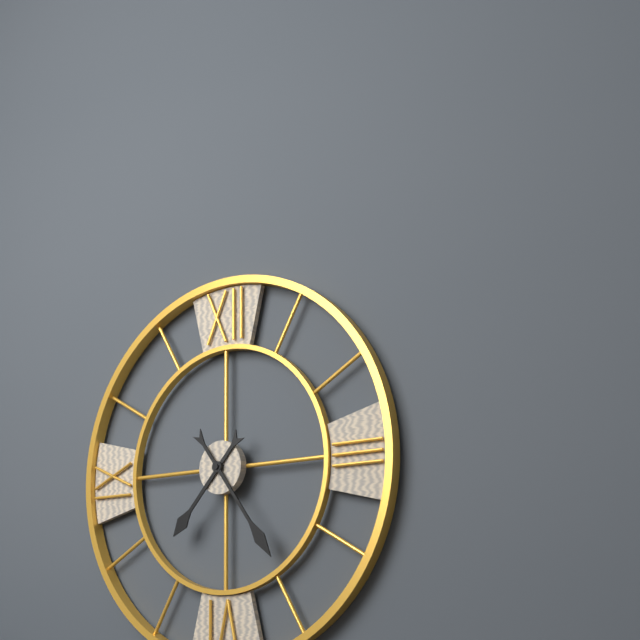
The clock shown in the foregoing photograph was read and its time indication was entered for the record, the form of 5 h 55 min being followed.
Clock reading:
7 h 24 min
